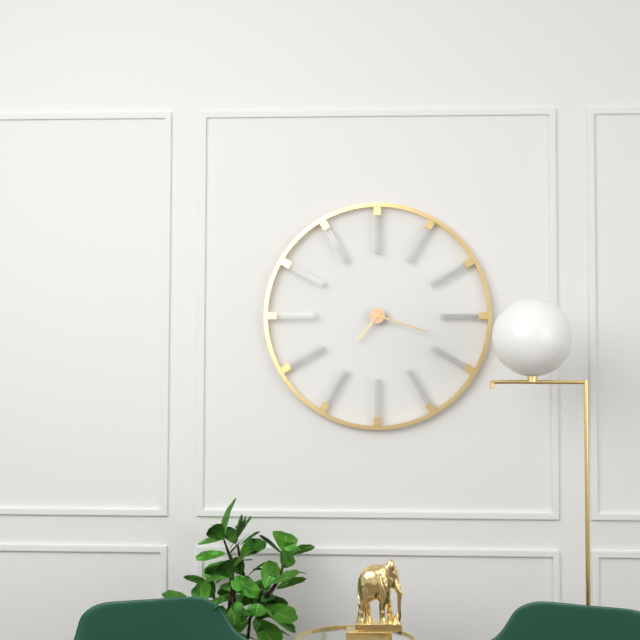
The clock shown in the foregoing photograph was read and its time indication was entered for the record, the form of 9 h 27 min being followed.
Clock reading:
7 h 18 min
